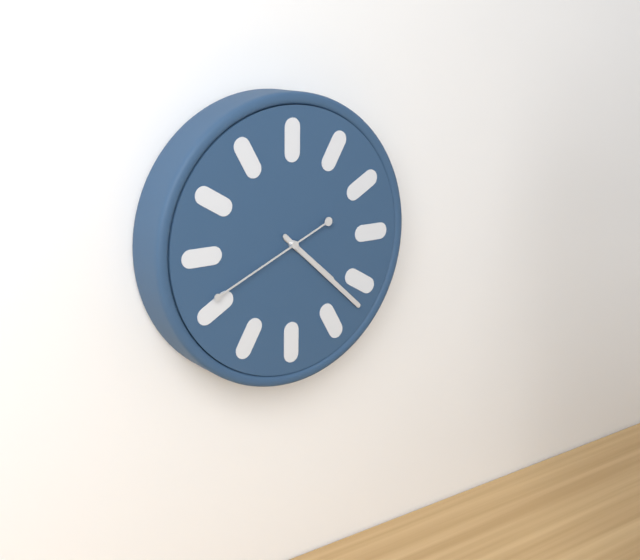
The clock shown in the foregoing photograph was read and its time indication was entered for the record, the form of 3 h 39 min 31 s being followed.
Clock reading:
4 h 22 min 41 s
